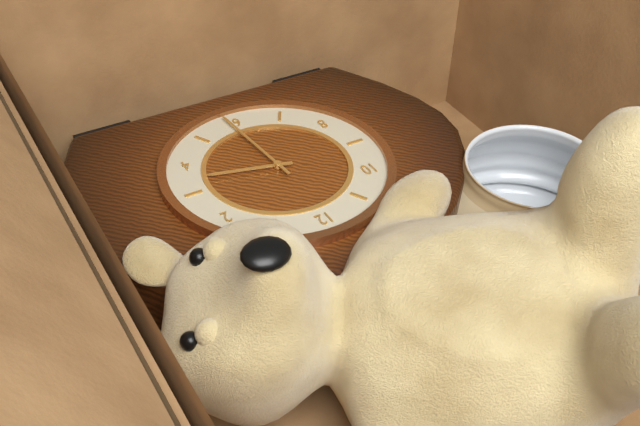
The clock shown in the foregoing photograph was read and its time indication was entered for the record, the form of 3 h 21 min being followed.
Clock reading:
3 h 29 min
